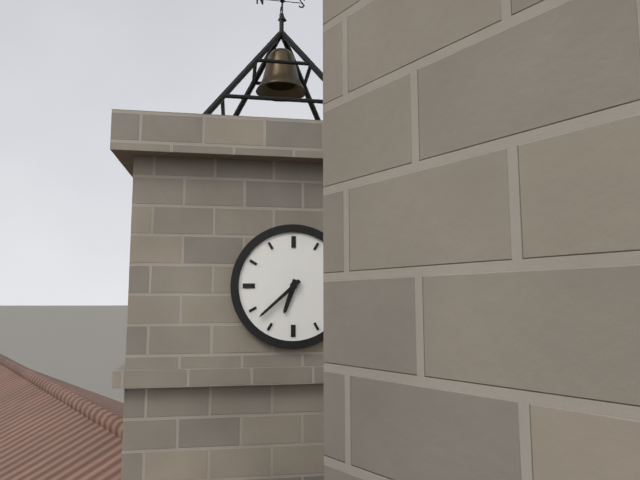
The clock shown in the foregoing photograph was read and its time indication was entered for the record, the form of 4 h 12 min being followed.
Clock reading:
6 h 38 min
